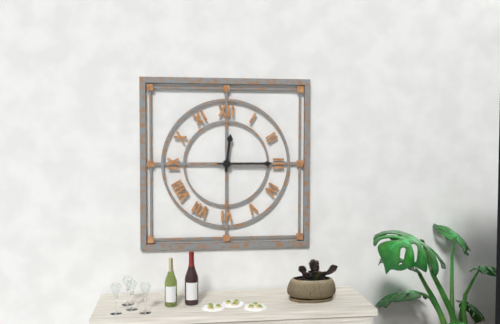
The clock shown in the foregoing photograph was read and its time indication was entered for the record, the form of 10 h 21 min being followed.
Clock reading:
12 h 15 min
